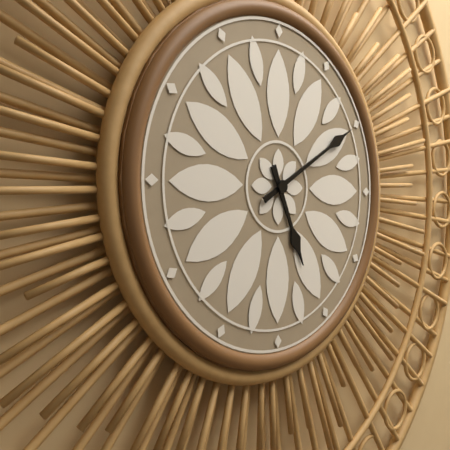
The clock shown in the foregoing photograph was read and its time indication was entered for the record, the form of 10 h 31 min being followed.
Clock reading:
5 h 10 min
